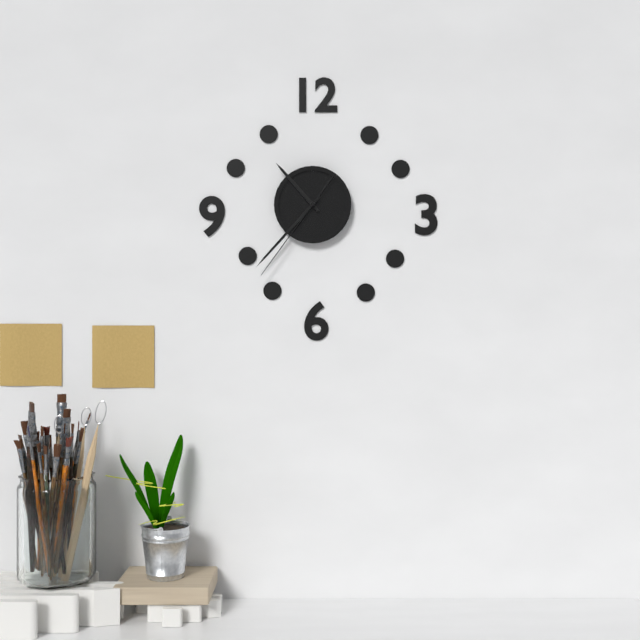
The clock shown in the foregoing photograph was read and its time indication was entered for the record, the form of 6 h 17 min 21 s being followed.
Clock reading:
10 h 37 min 36 s
